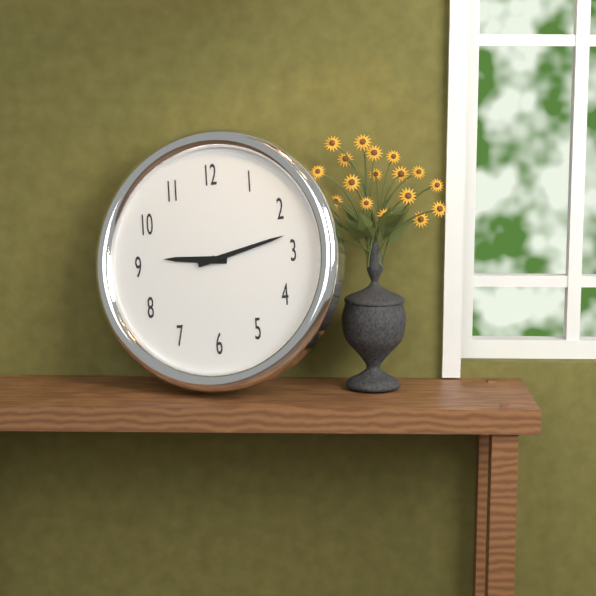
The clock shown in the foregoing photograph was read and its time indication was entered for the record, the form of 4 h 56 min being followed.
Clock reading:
9 h 13 min
